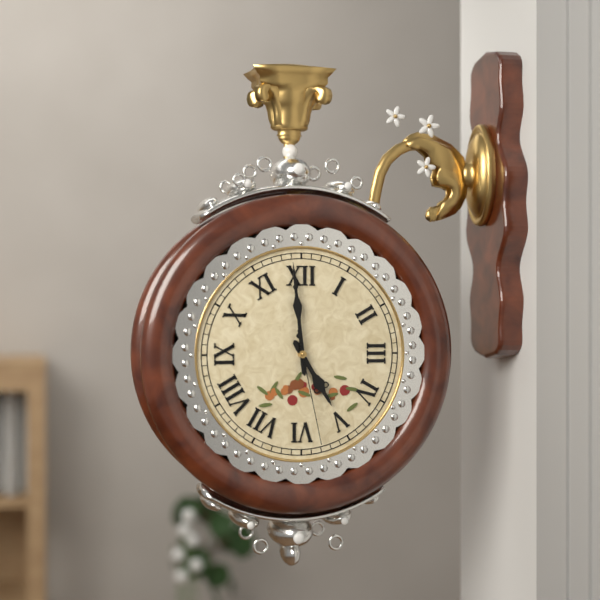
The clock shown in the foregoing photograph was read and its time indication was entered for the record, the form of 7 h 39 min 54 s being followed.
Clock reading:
4 h 59 min 28 s
